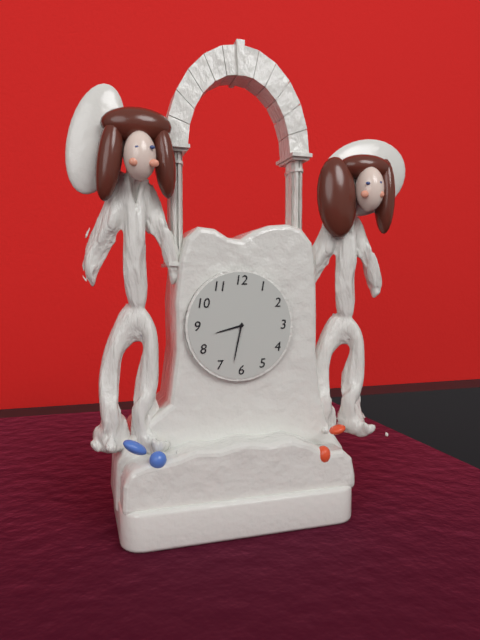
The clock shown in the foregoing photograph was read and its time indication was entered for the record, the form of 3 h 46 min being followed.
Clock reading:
8 h 32 min
